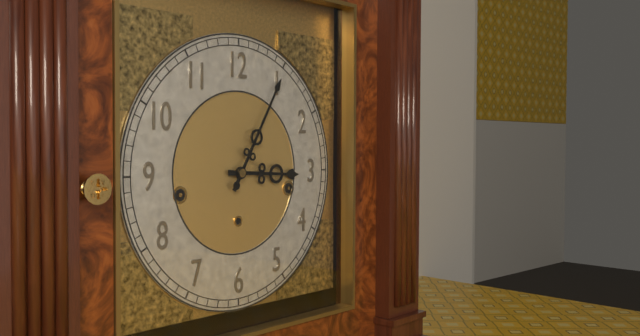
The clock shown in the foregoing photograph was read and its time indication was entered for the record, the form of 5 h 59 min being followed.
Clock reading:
3 h 05 min
